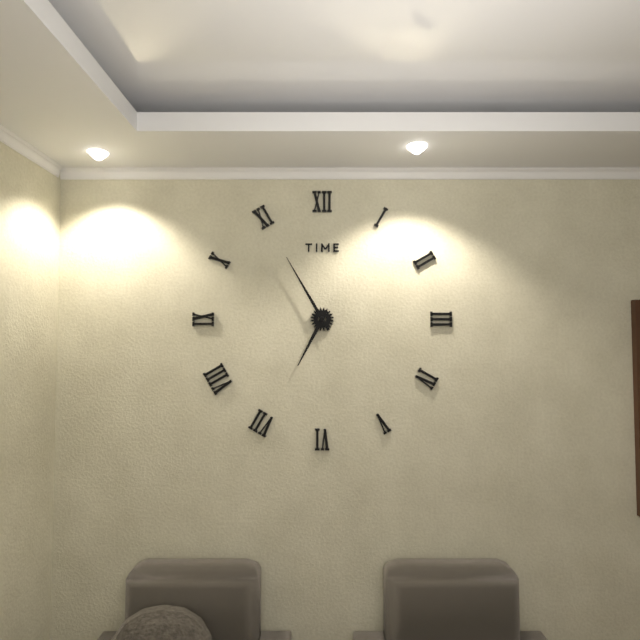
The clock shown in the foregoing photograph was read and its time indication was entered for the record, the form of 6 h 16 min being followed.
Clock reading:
6 h 55 min
